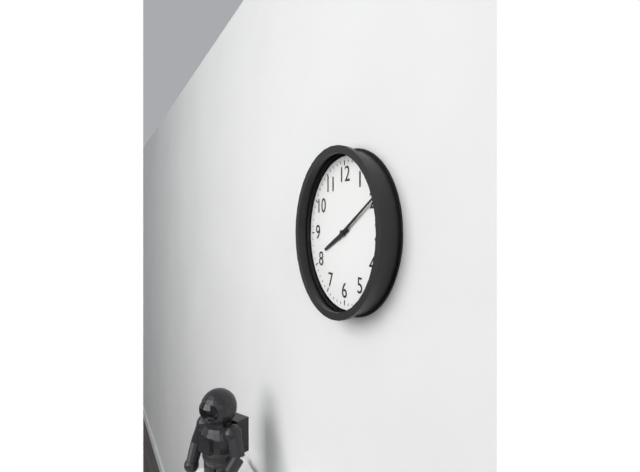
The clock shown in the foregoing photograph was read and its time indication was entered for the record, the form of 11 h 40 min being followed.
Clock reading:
8 h 10 min
